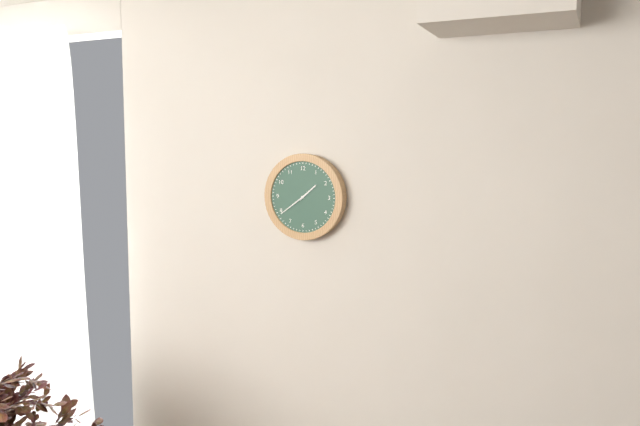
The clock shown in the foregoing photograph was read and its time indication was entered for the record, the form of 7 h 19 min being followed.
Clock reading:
1 h 39 min
